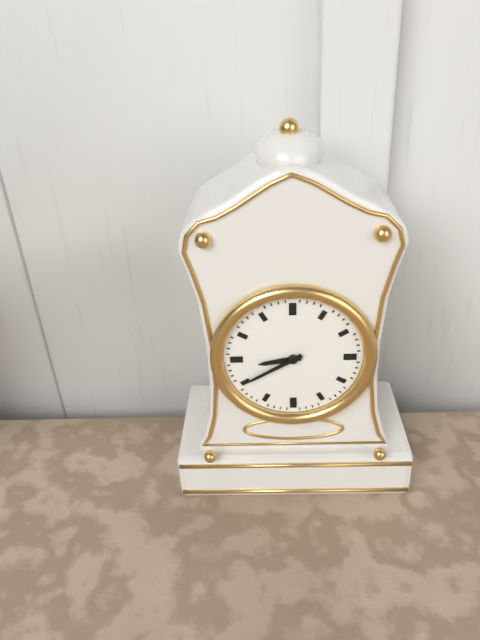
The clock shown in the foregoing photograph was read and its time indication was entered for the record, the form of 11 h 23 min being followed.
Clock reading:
8 h 40 min
